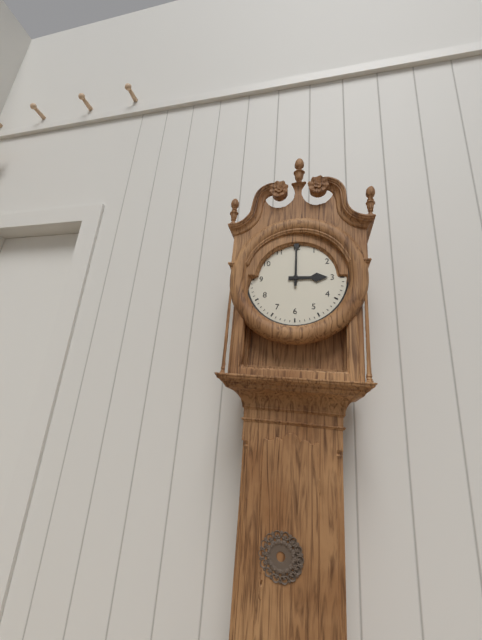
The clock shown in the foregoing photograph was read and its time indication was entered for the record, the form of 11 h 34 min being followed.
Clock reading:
3 h 00 min
